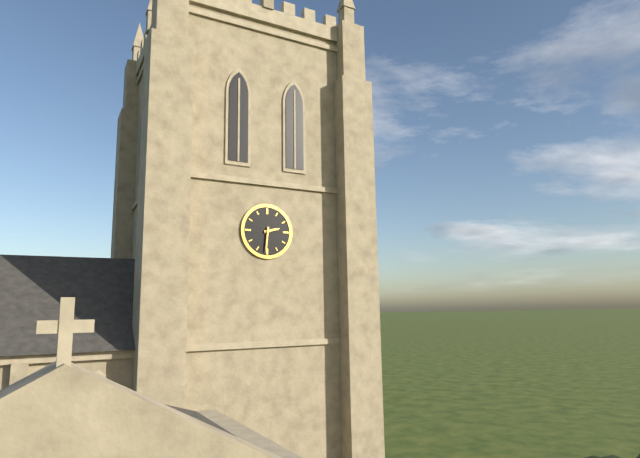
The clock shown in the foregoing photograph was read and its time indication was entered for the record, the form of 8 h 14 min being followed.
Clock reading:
2 h 31 min
